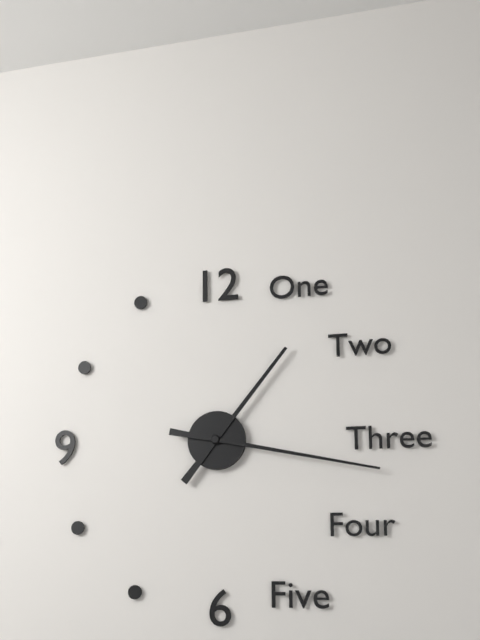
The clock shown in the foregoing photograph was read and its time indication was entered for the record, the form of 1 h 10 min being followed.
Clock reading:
1 h 17 min
